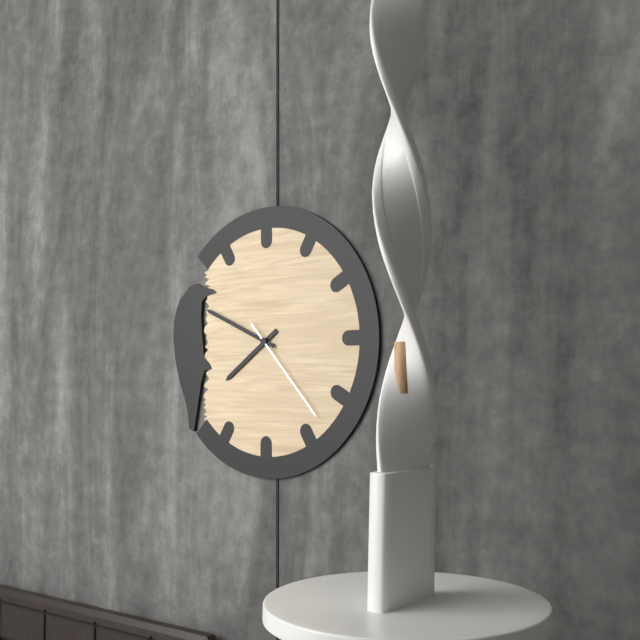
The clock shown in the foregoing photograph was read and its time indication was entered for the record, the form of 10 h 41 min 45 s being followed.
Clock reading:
7 h 49 min 23 s
